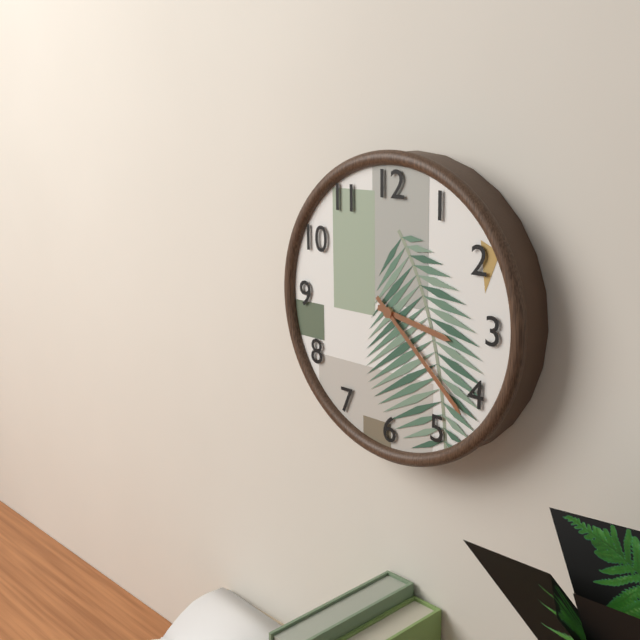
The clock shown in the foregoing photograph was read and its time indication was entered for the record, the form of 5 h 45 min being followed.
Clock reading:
3 h 22 min
